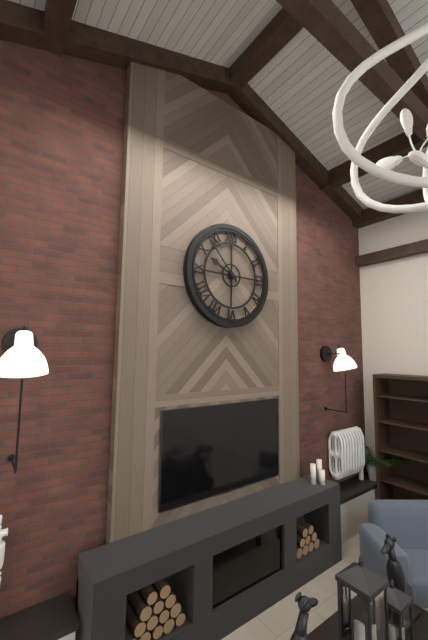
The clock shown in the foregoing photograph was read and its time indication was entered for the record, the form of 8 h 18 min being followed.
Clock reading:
9 h 53 min
